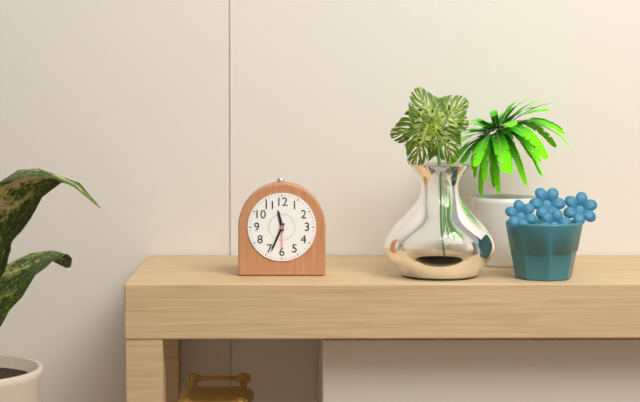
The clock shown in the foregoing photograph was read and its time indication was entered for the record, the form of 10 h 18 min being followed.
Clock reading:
11 h 34 min
